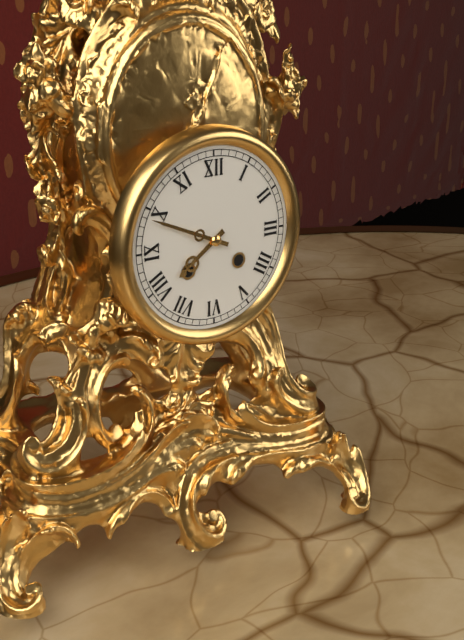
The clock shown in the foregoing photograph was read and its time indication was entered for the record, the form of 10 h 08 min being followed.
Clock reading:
7 h 49 min
